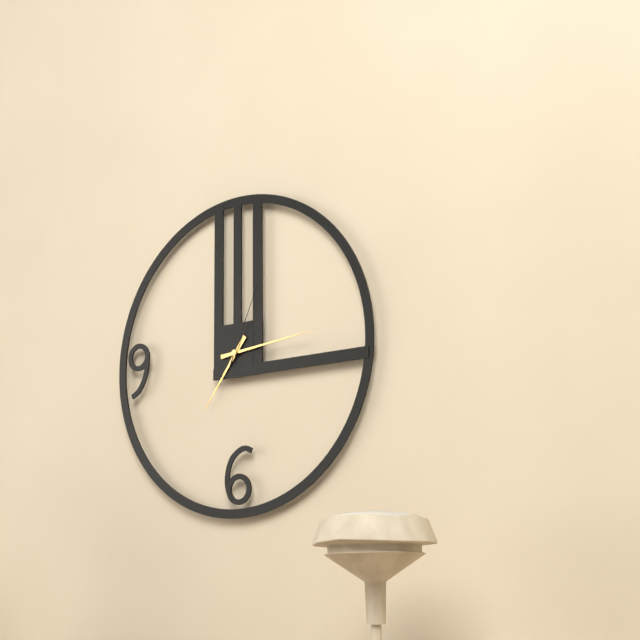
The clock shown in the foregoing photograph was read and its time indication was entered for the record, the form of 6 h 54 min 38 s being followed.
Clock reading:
7 h 14 min 04 s
